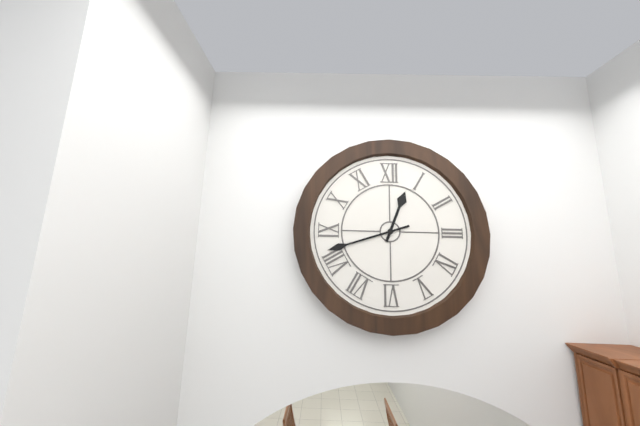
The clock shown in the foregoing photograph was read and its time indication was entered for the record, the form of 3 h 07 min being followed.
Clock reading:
12 h 42 min
